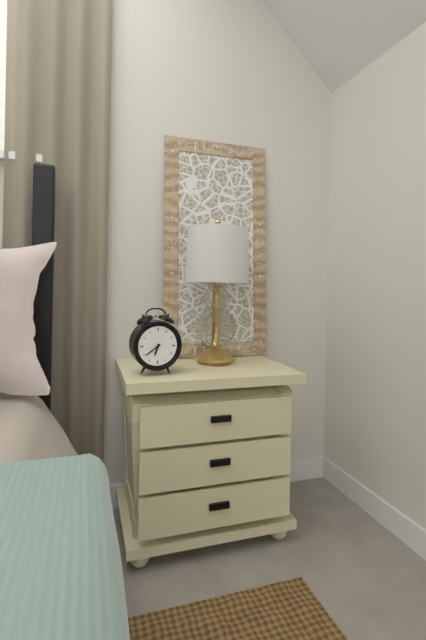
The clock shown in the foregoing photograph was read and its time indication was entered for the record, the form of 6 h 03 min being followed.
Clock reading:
6 h 39 min
